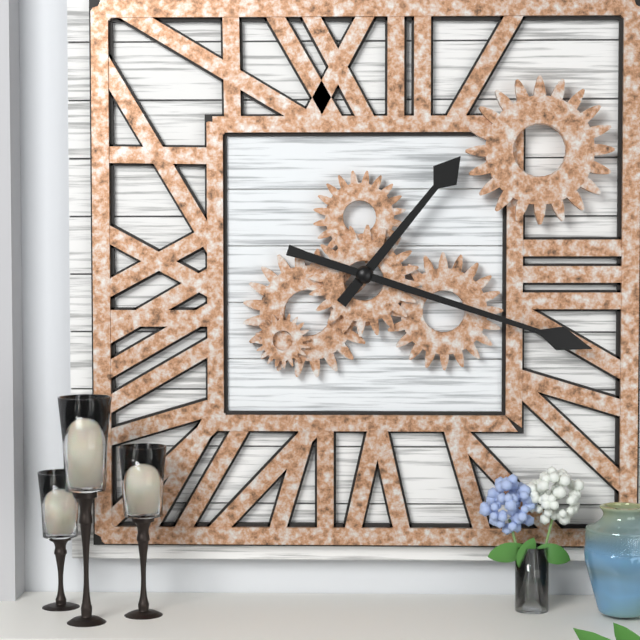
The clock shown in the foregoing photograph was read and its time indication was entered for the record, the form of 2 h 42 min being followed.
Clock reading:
1 h 18 min
